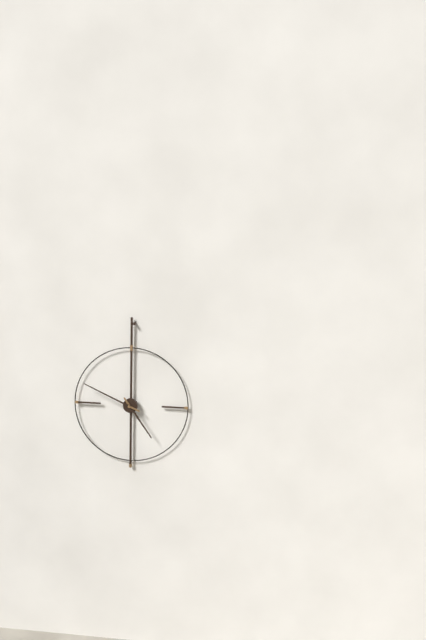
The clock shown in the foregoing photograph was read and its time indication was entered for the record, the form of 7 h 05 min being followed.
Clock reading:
4 h 49 min
